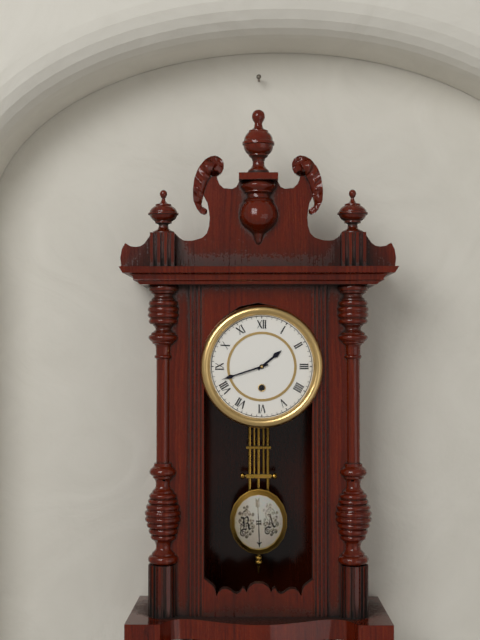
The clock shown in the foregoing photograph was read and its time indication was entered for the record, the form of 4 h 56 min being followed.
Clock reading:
1 h 42 min
